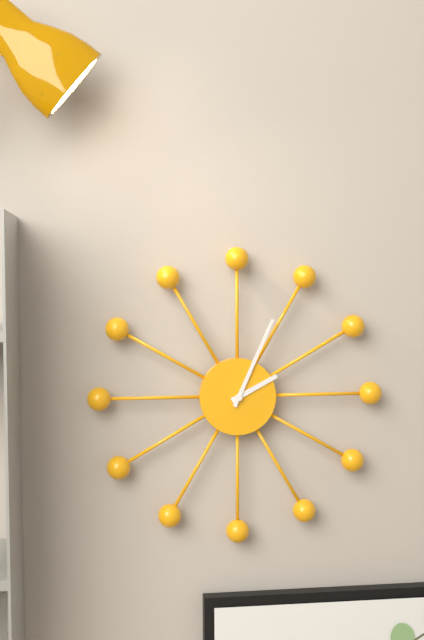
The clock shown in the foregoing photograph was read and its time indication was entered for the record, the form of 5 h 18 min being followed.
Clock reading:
2 h 04 min
